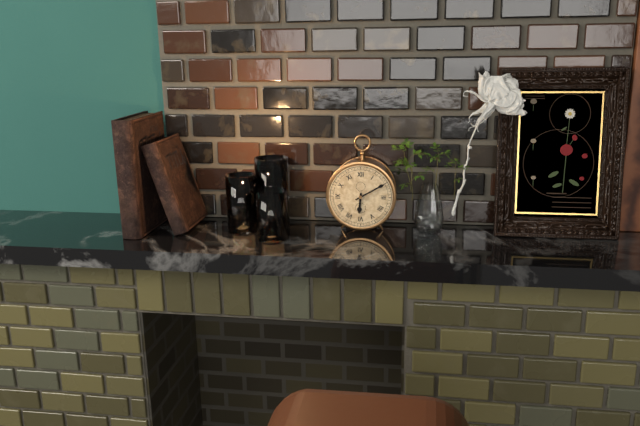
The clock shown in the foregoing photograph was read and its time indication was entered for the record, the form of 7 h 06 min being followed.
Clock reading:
6 h 10 min
